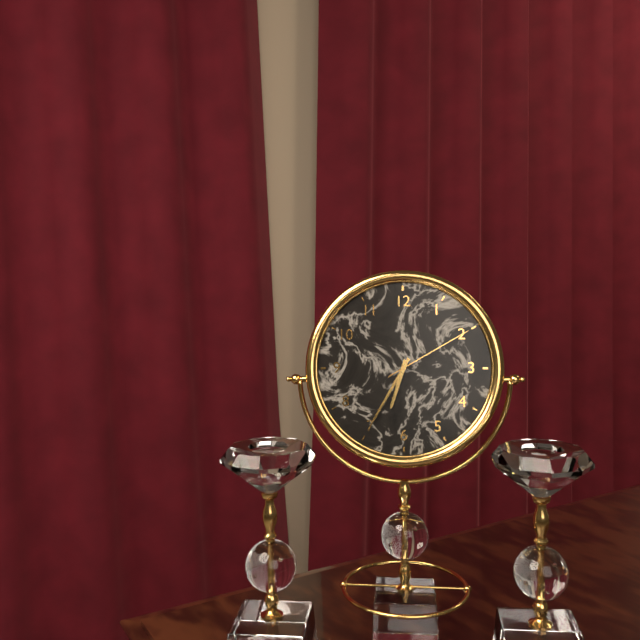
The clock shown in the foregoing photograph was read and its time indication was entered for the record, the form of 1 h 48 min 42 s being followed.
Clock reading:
6 h 35 min 10 s
